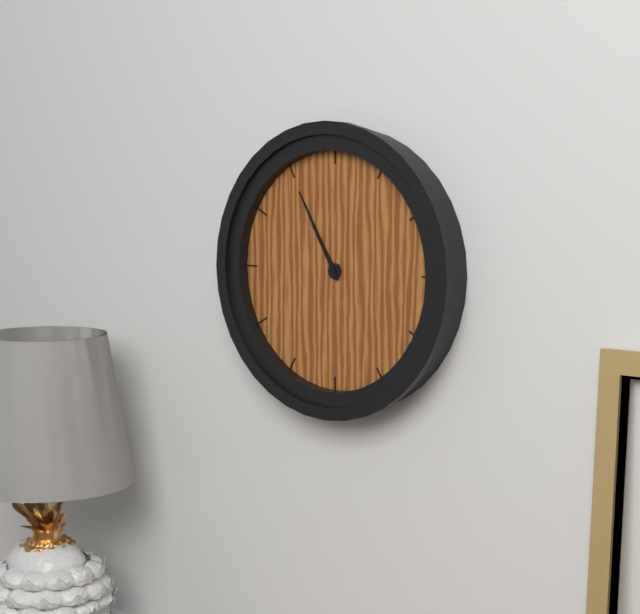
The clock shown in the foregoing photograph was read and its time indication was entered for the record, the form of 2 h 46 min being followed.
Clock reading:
10 h 55 min
